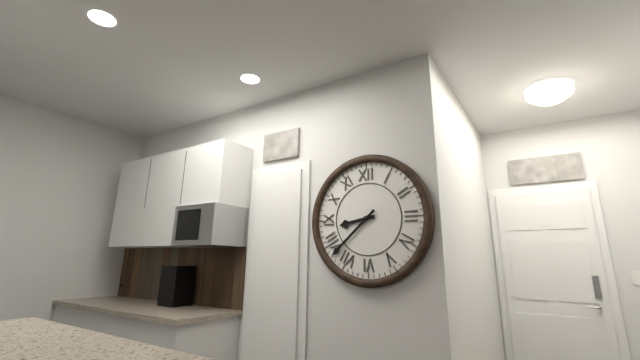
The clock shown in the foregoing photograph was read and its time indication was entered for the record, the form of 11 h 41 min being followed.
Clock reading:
8 h 38 min
